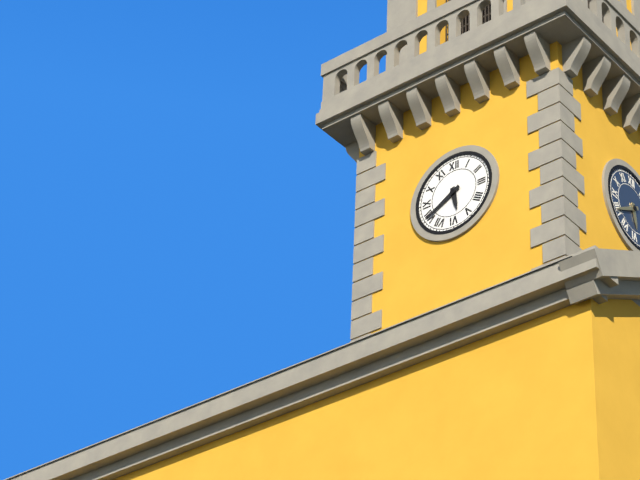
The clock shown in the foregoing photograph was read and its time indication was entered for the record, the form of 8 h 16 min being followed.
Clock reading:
5 h 40 min
